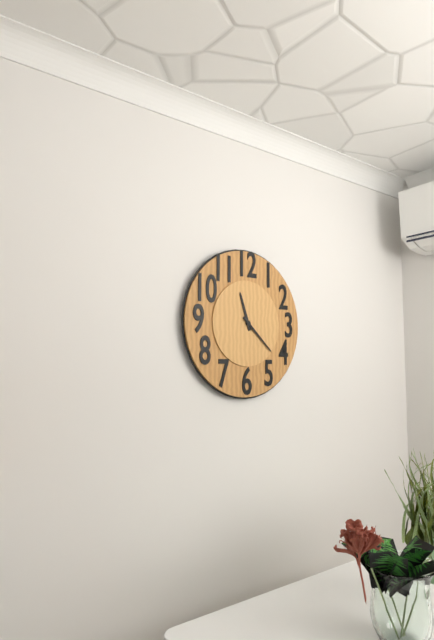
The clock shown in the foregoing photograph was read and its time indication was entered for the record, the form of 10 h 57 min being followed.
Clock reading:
11 h 22 min
